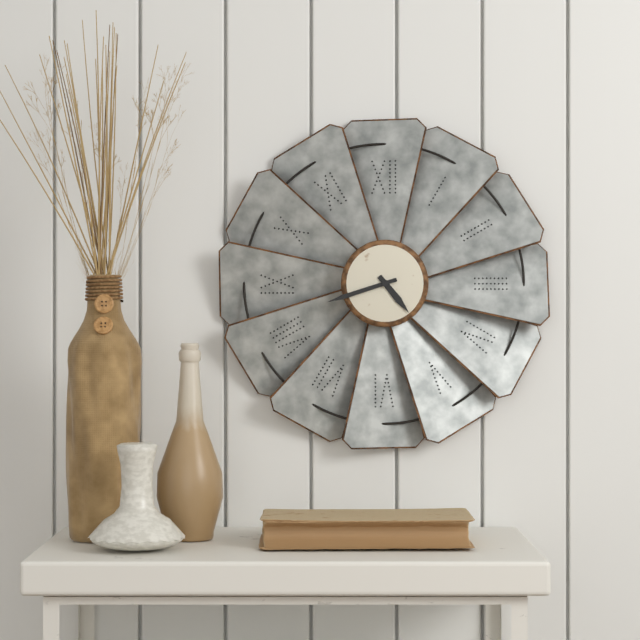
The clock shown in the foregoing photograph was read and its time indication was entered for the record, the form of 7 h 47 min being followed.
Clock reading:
4 h 42 min
